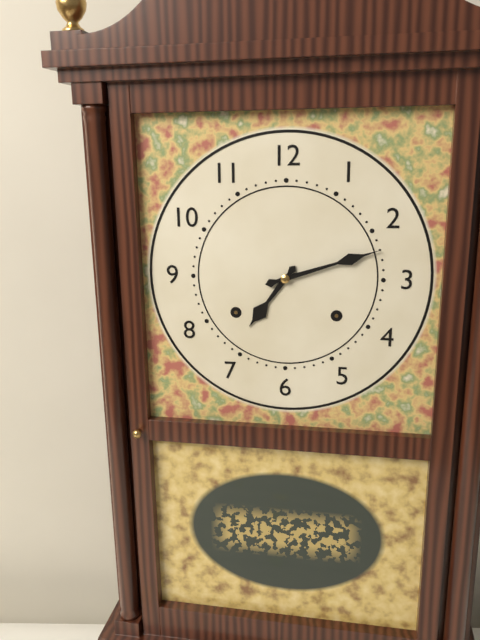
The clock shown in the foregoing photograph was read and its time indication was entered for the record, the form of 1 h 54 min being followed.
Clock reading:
7 h 12 min
